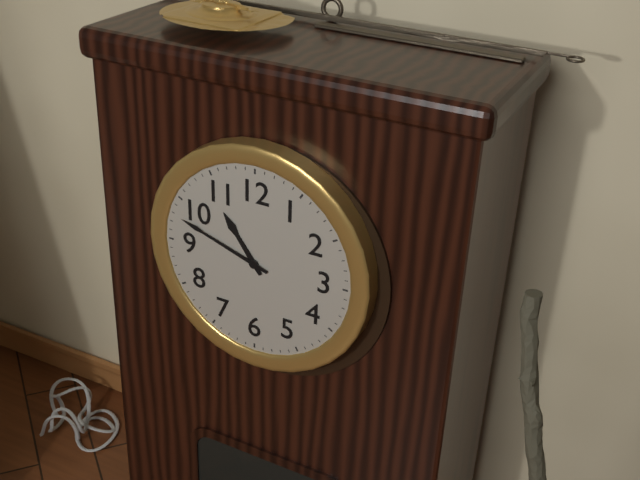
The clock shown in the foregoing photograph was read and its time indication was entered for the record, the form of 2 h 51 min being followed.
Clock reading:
10 h 48 min
